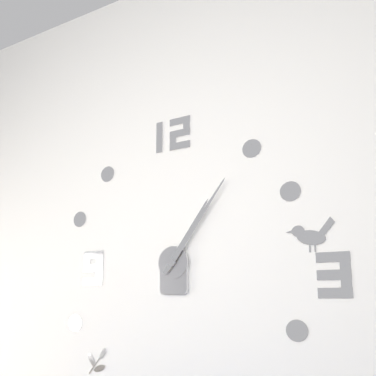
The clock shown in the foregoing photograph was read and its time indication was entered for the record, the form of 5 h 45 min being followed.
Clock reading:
1 h 06 min
